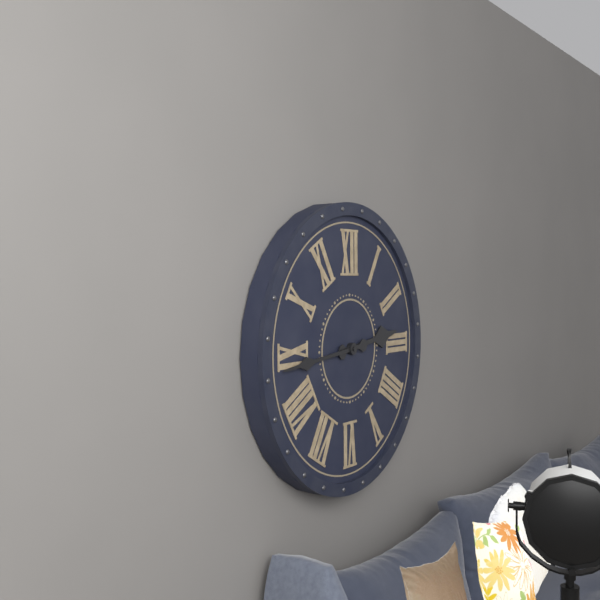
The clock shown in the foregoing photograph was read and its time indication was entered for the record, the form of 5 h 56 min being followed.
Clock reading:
2 h 44 min
